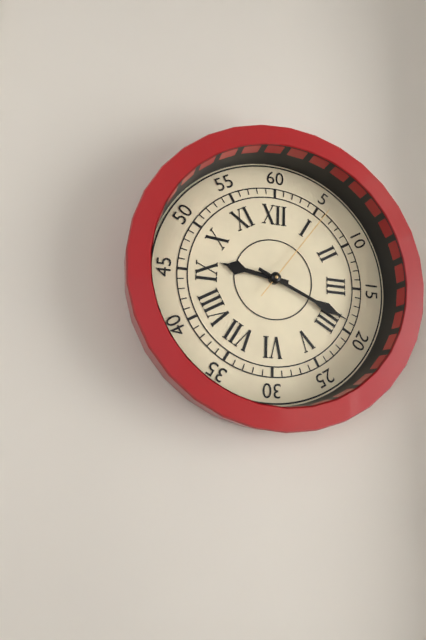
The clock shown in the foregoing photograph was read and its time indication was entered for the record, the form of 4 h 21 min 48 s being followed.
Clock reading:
9 h 19 min 06 s
